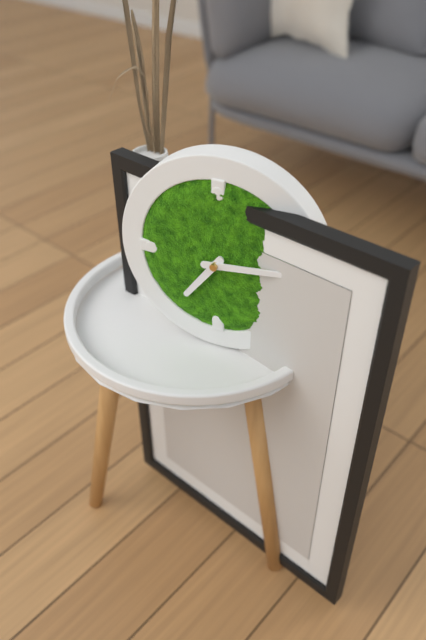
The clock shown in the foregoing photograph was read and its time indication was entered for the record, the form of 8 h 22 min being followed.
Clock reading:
7 h 14 min
